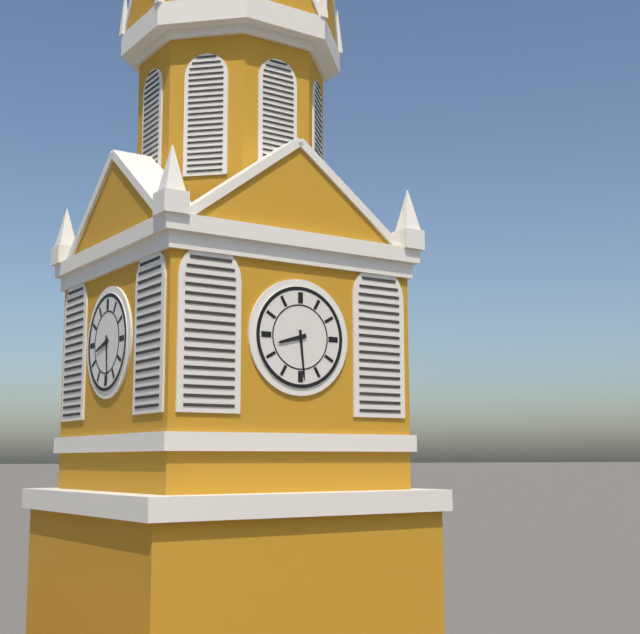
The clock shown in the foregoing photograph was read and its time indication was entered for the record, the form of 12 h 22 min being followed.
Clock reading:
8 h 29 min
